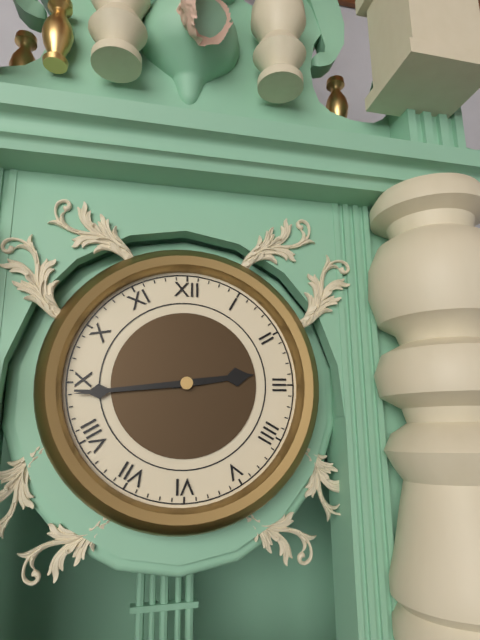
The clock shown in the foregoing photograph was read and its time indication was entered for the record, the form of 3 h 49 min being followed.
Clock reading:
2 h 44 min
